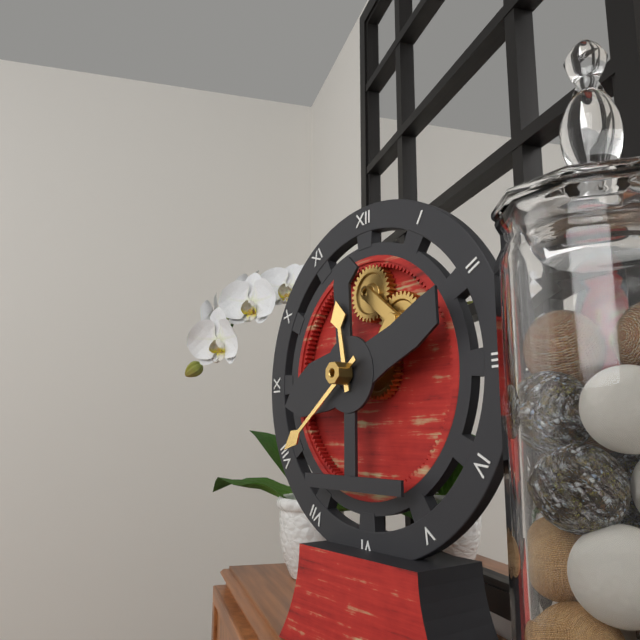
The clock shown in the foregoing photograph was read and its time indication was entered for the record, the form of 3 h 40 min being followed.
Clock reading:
11 h 39 min
